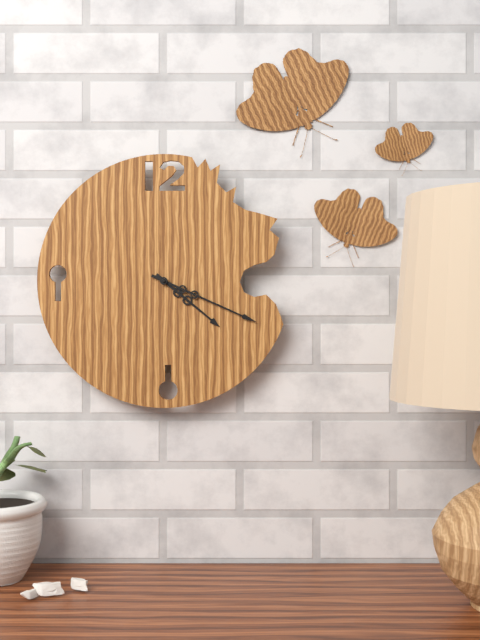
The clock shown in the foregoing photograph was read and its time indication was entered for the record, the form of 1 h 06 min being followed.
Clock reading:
4 h 19 min
